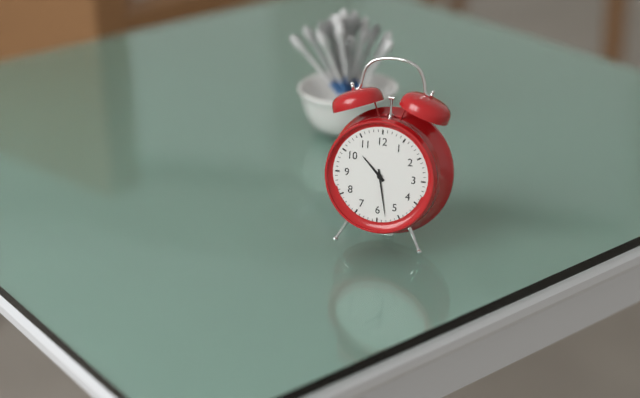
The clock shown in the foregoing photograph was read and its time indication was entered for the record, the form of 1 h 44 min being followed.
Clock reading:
10 h 28 min
